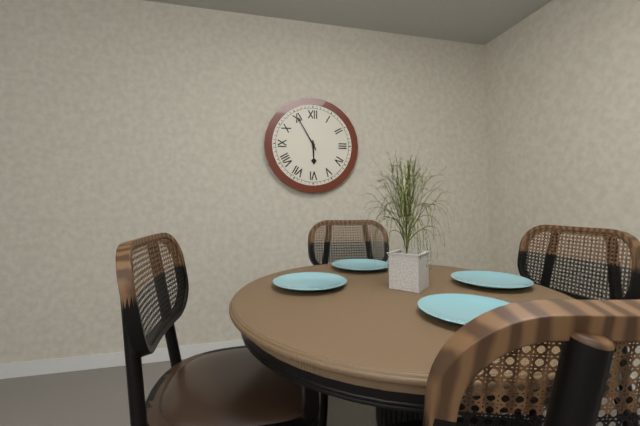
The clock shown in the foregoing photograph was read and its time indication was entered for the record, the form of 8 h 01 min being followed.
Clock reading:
5 h 55 min
